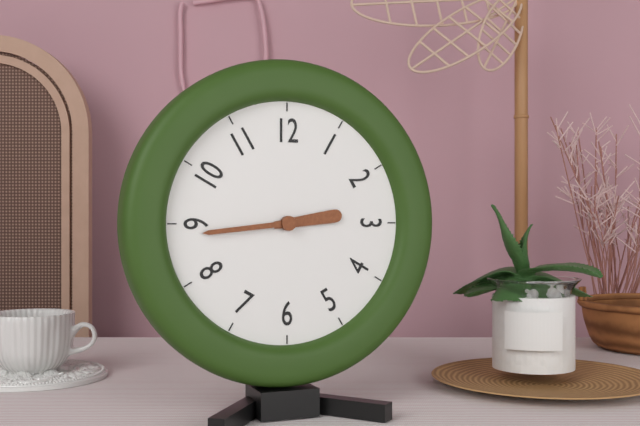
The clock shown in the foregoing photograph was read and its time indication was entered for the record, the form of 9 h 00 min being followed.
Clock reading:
2 h 44 min
